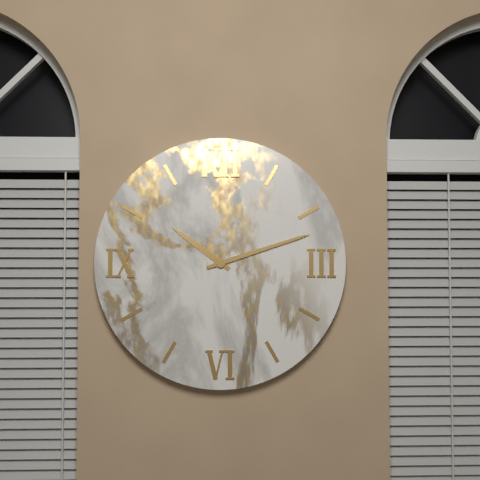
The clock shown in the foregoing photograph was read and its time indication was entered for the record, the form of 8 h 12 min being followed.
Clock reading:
10 h 12 min
